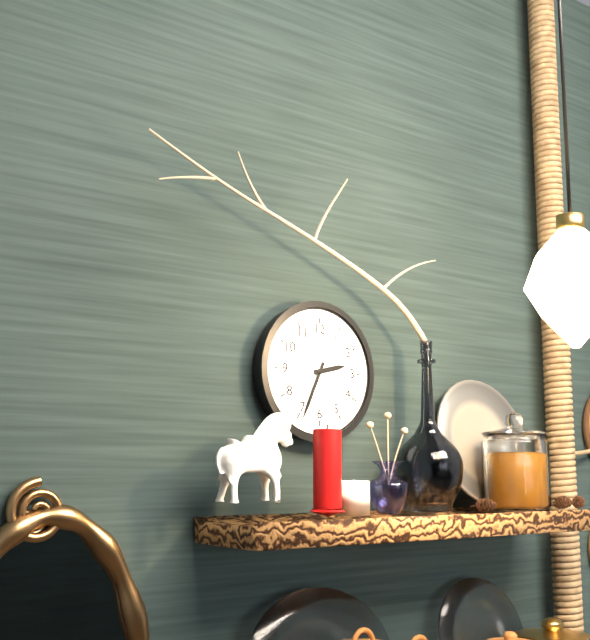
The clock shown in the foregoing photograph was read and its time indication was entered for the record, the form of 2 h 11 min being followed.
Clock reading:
2 h 34 min
